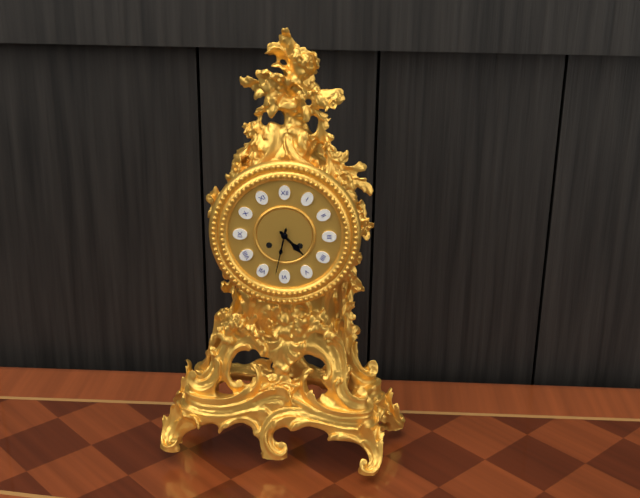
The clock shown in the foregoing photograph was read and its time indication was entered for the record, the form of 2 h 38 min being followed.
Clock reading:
4 h 32 min
